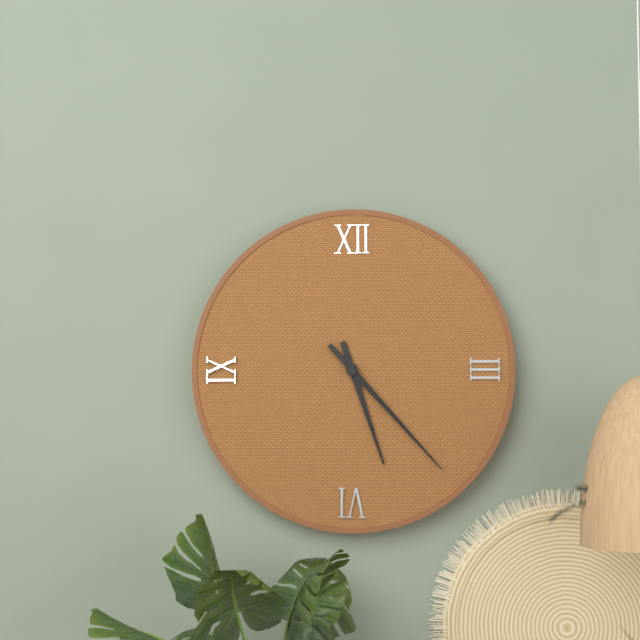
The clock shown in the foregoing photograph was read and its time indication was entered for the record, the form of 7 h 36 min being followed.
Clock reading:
5 h 23 min
